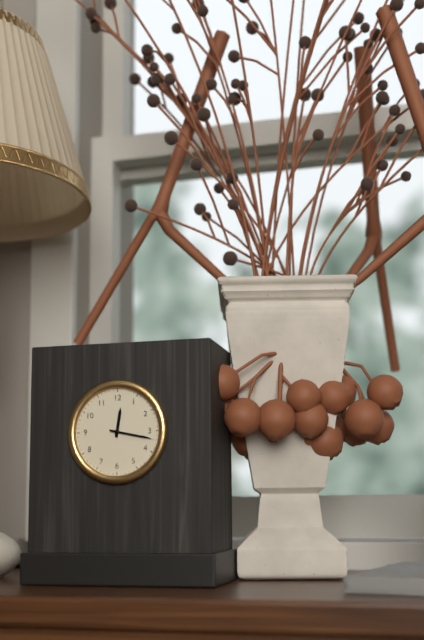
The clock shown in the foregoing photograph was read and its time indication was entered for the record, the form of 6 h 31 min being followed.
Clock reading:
12 h 17 min
